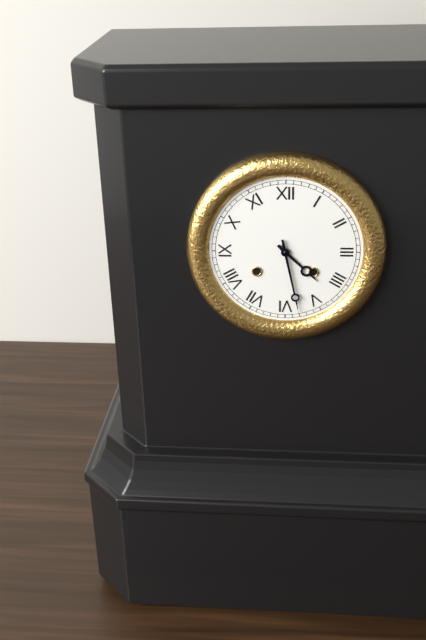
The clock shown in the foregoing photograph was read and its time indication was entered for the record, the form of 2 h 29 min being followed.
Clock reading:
4 h 28 min
